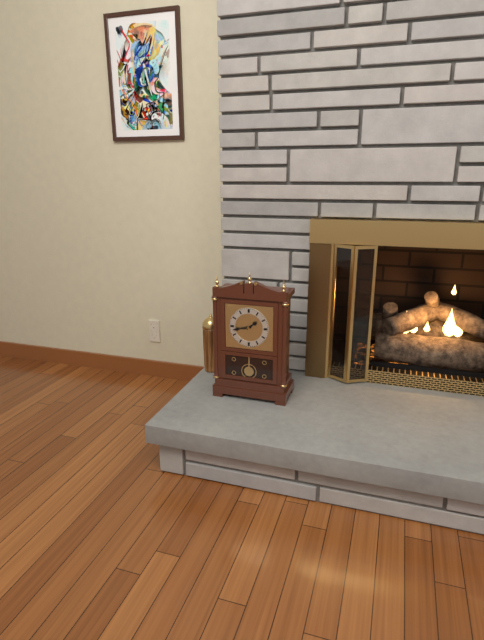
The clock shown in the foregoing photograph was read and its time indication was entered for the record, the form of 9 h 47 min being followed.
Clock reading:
1 h 43 min
